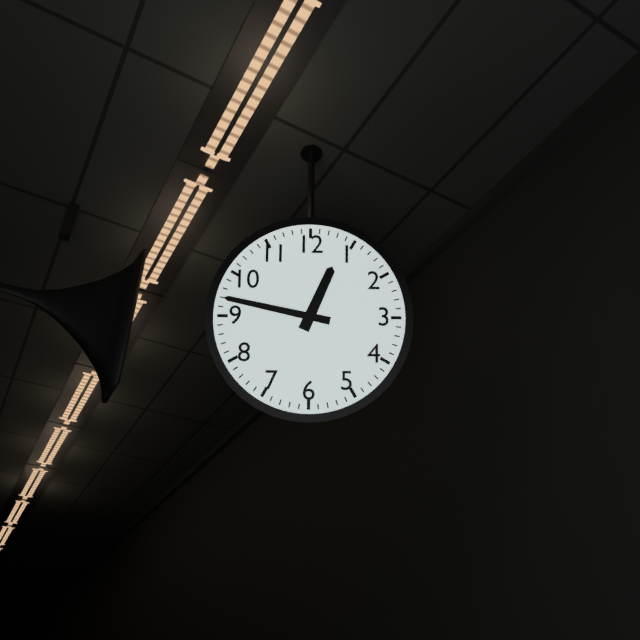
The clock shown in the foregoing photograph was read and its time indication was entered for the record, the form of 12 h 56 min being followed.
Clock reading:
12 h 47 min
